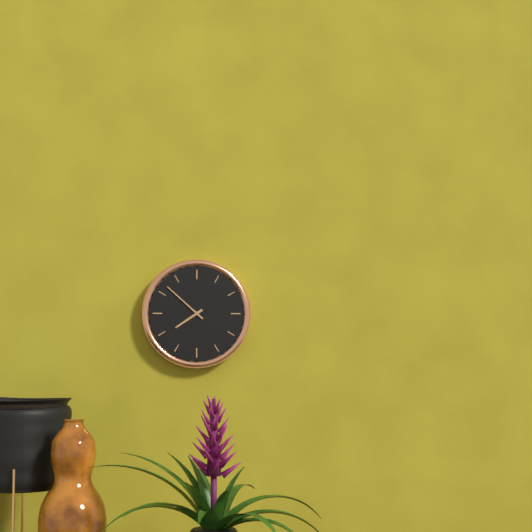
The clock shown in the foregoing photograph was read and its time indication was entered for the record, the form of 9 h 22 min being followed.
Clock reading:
7 h 52 min
